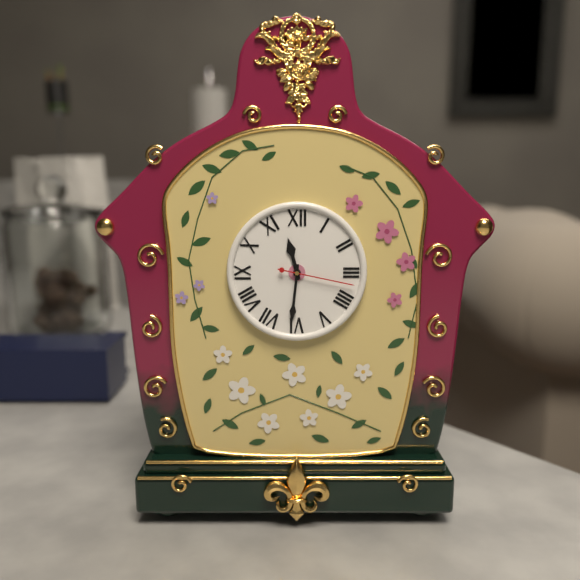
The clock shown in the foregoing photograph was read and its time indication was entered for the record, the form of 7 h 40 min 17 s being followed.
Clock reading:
11 h 31 min 17 s
